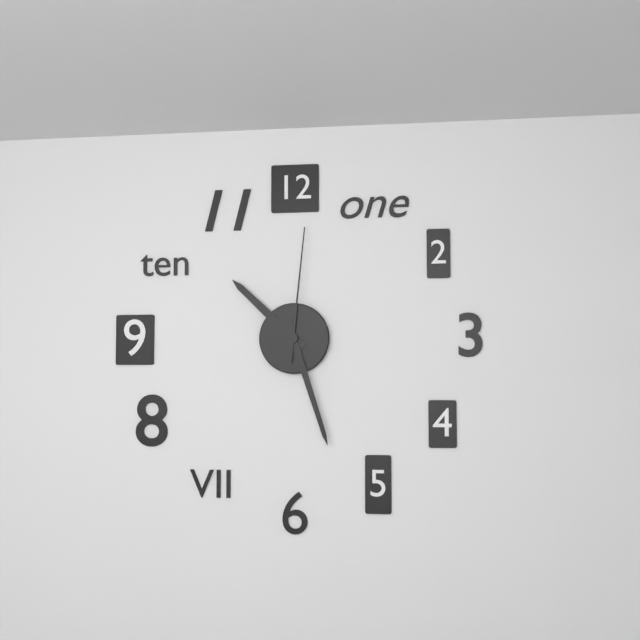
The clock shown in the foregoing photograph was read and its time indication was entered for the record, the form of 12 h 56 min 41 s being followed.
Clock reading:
10 h 27 min 01 s
